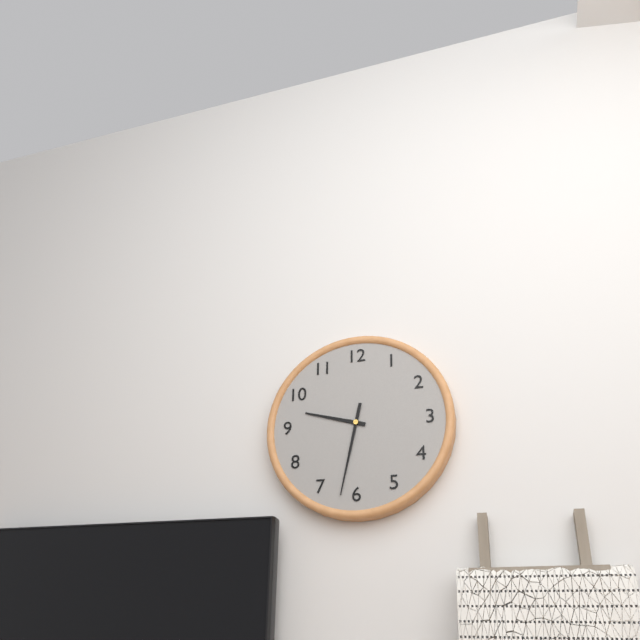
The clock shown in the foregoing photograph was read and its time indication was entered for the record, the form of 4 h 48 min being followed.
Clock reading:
9 h 32 min
